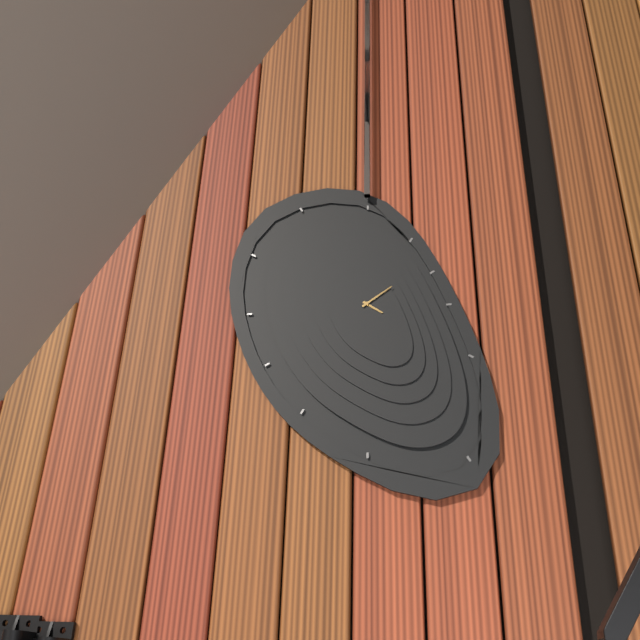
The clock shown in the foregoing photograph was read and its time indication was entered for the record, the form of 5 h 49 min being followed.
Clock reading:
4 h 09 min
